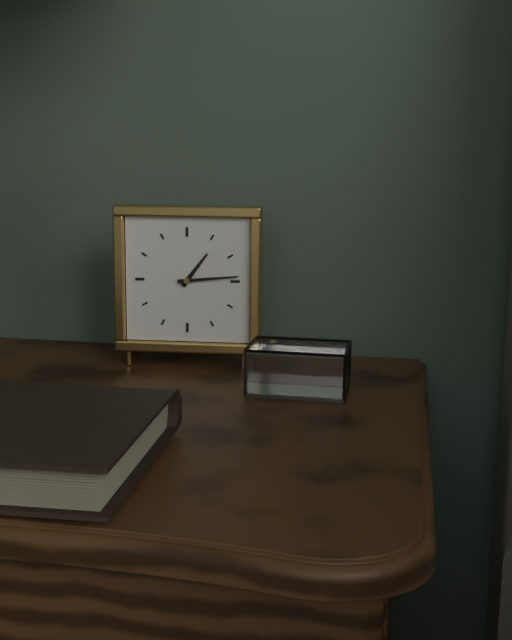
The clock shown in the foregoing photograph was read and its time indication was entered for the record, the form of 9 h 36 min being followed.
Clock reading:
1 h 14 min
